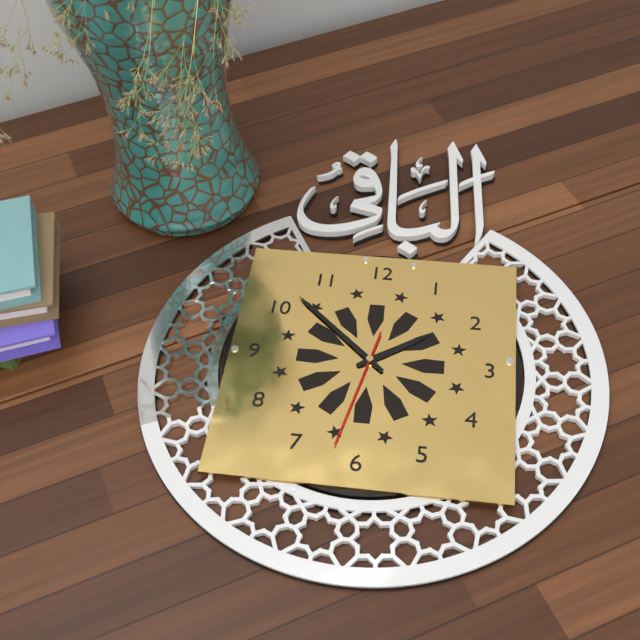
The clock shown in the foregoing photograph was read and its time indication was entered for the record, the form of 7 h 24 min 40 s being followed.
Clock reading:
1 h 52 min 32 s
